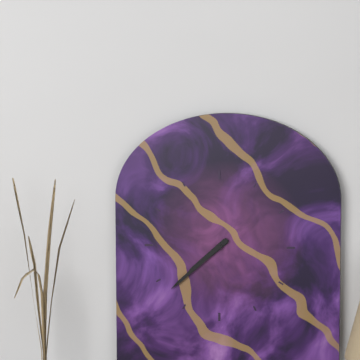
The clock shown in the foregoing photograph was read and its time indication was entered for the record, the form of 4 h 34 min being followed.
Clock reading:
7 h 38 min
